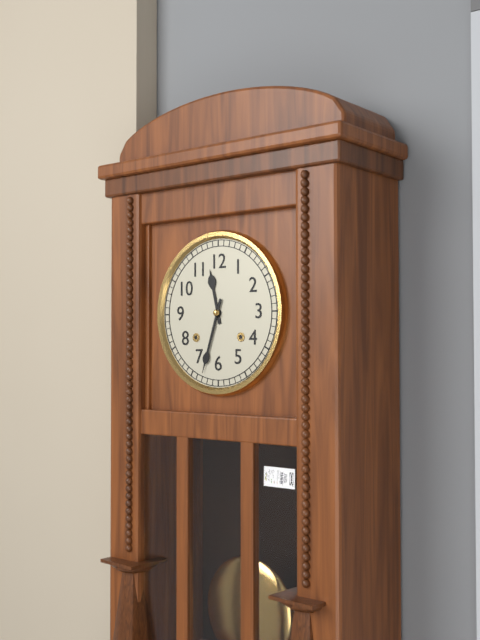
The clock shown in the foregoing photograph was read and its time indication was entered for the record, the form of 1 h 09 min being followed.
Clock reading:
11 h 33 min
